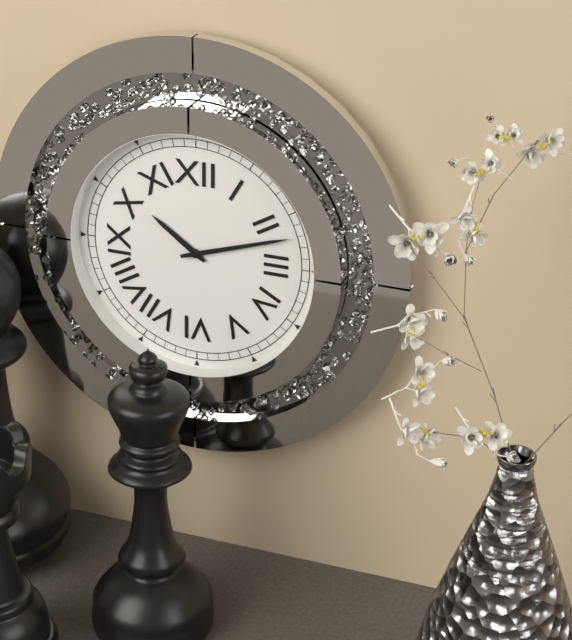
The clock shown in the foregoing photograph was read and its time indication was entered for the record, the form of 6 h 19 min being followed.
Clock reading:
10 h 12 min
